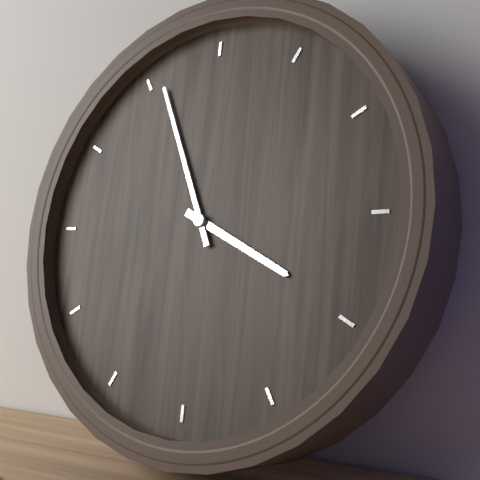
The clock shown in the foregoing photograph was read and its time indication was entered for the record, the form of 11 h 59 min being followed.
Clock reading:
3 h 56 min
